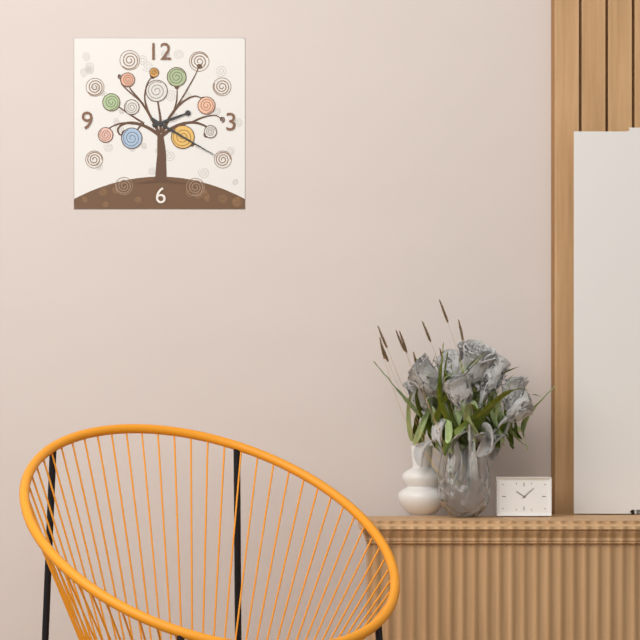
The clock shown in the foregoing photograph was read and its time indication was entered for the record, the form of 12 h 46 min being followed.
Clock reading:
2 h 20 min
